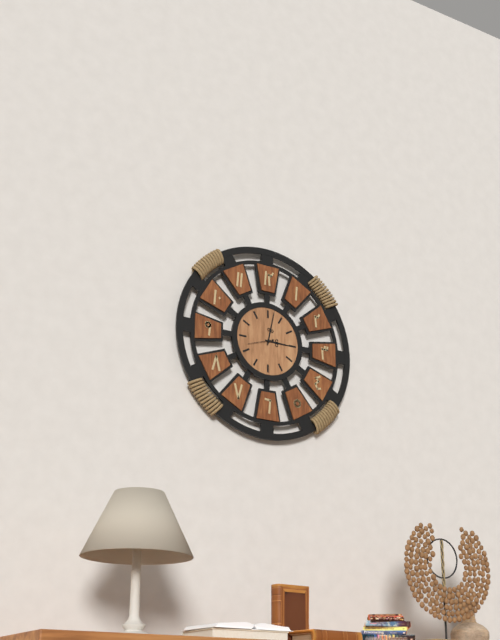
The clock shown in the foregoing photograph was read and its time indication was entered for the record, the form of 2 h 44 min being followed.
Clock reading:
3 h 02 min
